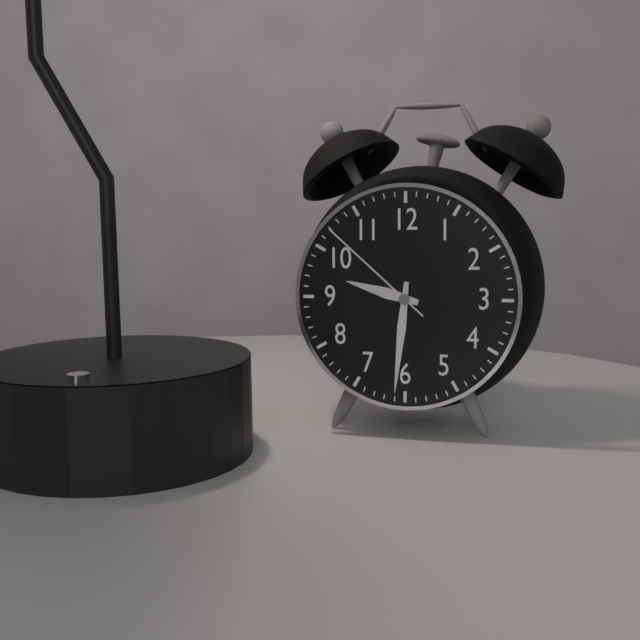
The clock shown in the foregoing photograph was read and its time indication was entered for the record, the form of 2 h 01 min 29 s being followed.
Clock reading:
9 h 31 min 52 s
